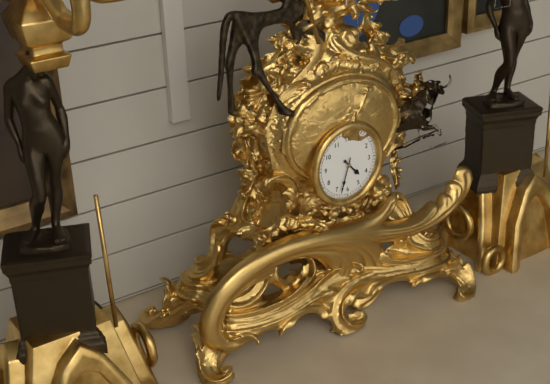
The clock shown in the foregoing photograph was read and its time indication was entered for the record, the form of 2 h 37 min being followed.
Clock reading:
4 h 33 min
